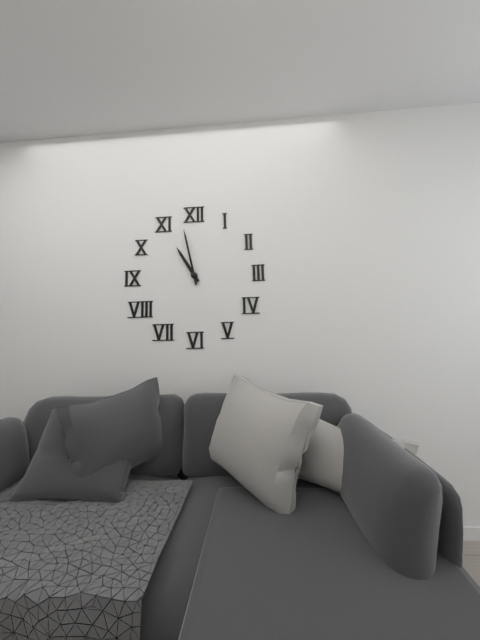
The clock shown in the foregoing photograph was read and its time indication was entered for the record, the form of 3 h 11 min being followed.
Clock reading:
10 h 58 min
